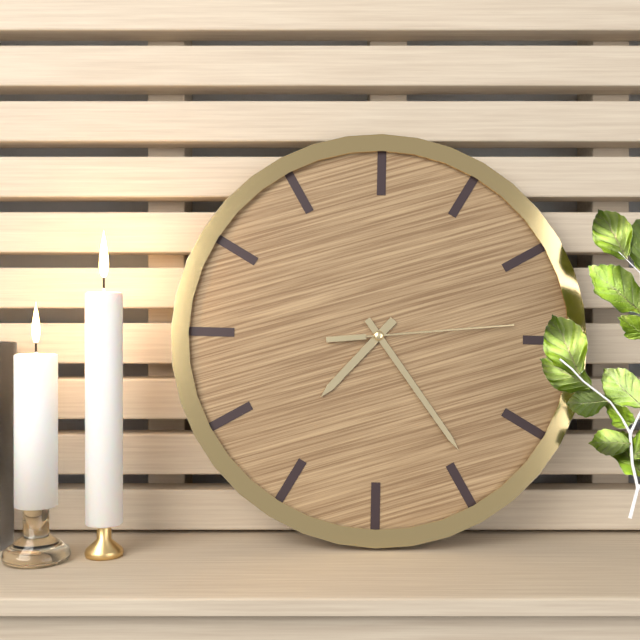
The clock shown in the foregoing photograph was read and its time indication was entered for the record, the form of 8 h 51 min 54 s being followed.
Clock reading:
7 h 24 min 14 s
